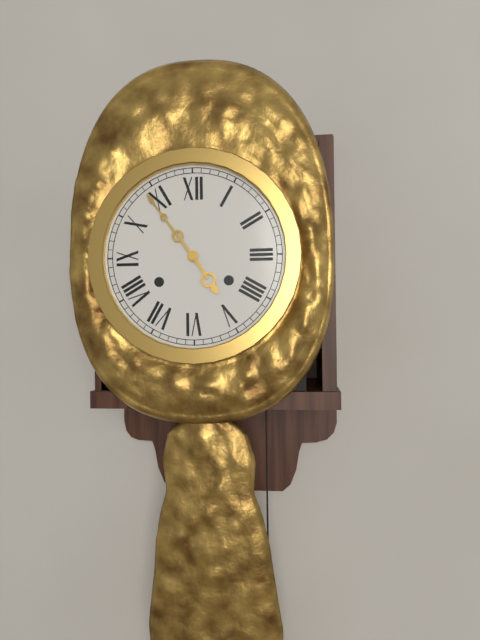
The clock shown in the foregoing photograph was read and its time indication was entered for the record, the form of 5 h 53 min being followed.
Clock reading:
4 h 54 min
